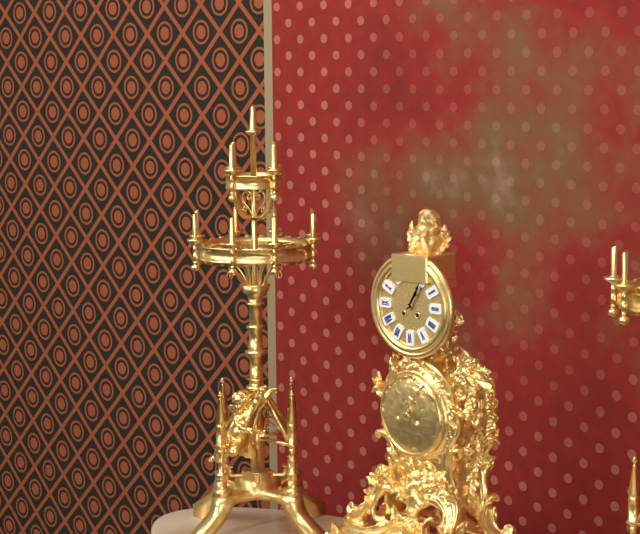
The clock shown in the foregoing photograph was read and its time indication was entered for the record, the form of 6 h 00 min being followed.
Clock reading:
1 h 05 min
